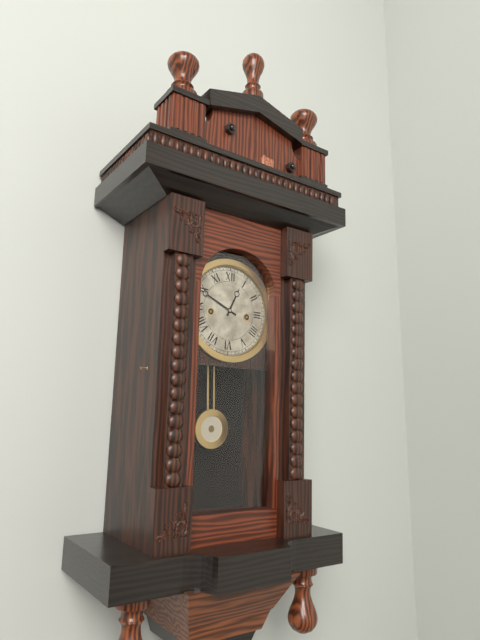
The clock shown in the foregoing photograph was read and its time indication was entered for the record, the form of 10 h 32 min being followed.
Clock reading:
12 h 49 min
